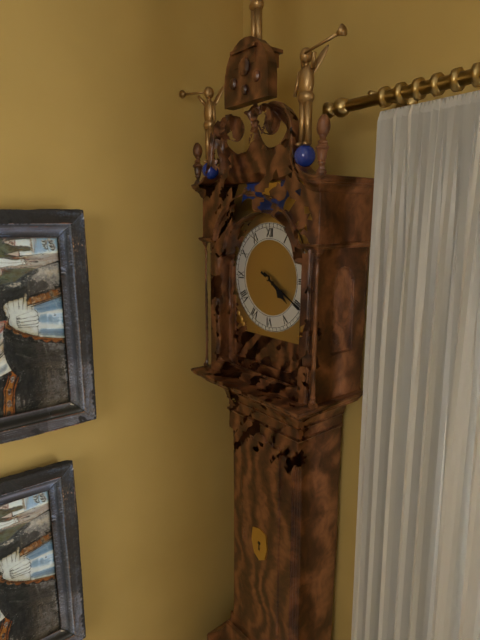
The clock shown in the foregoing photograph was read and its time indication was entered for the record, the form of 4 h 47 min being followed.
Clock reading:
4 h 20 min
